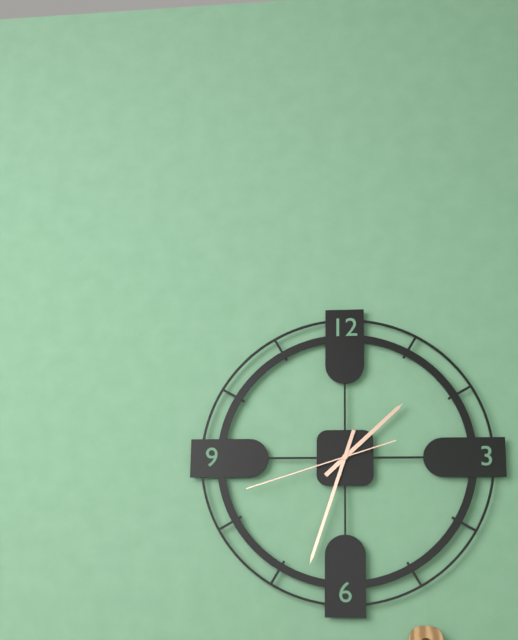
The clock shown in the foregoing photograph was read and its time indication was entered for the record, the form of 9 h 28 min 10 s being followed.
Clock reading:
1 h 33 min 42 s
